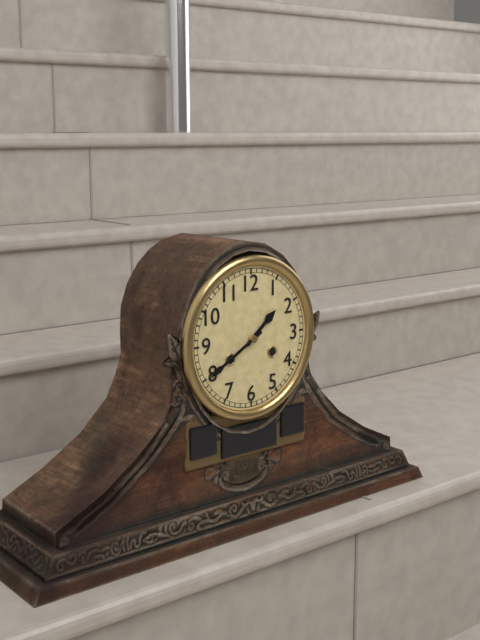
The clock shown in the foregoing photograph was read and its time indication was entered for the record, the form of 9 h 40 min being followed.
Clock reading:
1 h 40 min
